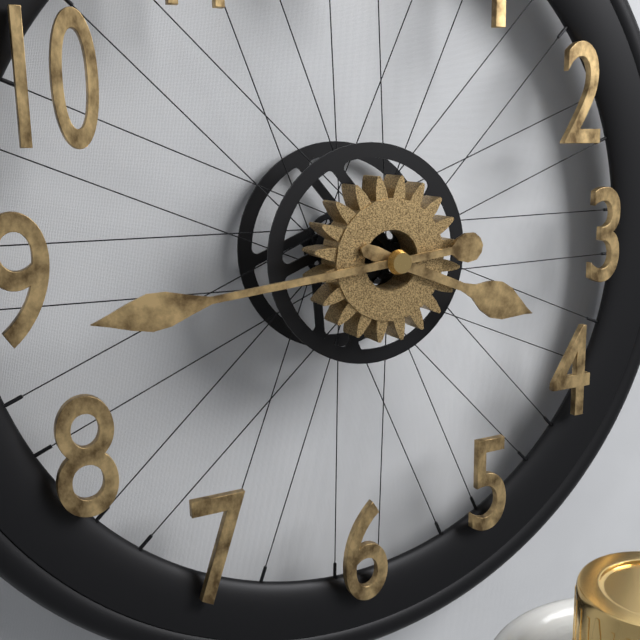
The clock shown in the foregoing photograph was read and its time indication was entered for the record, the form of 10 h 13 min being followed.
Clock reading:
3 h 44 min
